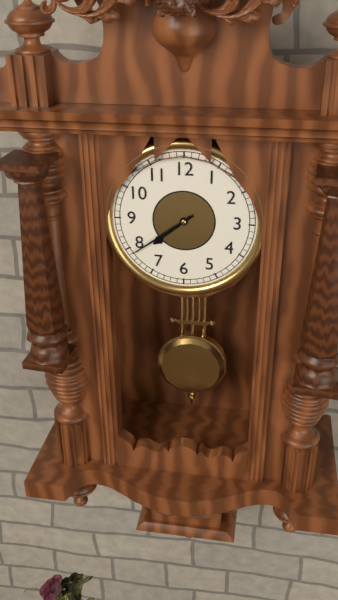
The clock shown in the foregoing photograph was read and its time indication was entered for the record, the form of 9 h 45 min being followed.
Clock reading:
7 h 39 min
